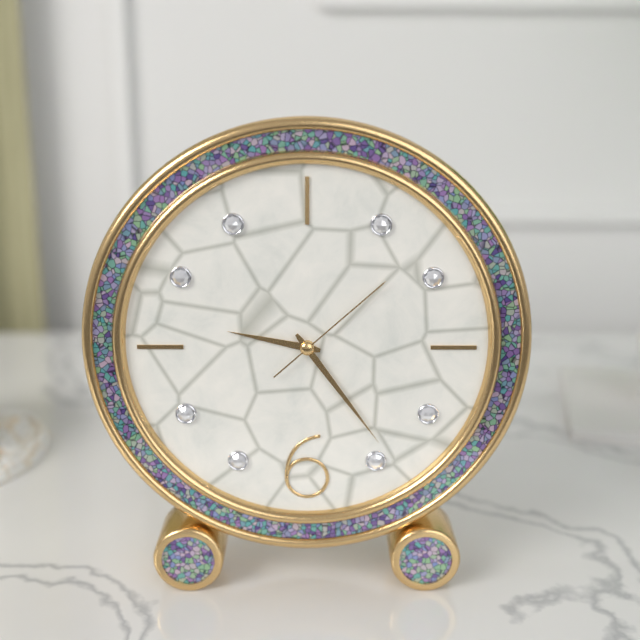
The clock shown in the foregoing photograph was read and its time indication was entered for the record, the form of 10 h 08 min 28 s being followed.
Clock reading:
9 h 24 min 08 s
